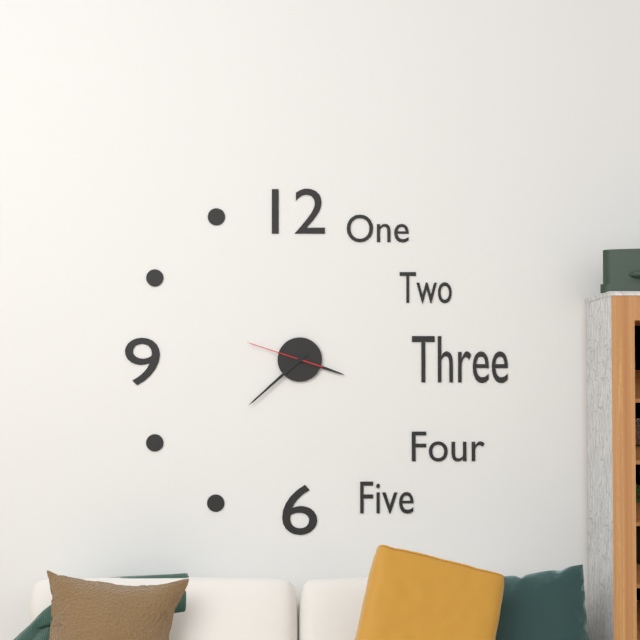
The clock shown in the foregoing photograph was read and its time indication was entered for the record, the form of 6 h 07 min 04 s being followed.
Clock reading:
3 h 38 min 48 s
